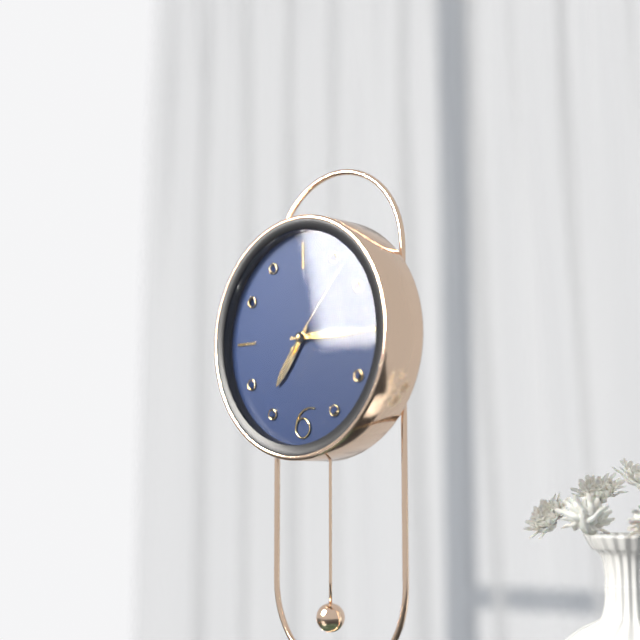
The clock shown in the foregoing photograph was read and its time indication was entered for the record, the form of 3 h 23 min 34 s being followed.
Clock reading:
7 h 15 min 07 s
